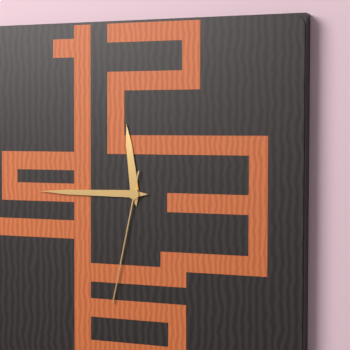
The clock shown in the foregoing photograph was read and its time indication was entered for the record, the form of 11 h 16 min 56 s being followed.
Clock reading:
11 h 45 min 32 s
